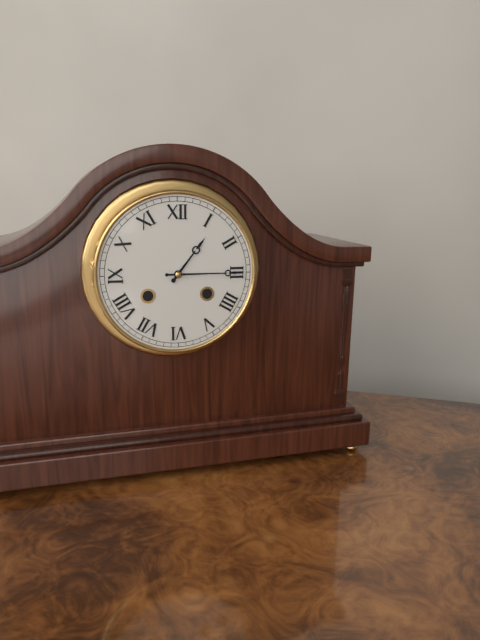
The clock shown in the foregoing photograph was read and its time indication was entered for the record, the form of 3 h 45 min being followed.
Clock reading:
1 h 15 min
